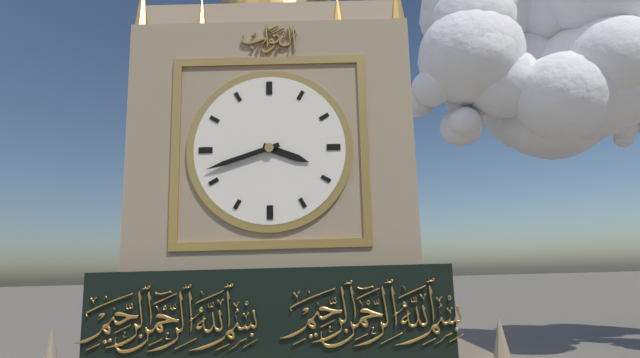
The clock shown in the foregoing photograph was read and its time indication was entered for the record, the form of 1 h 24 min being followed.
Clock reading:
3 h 42 min
